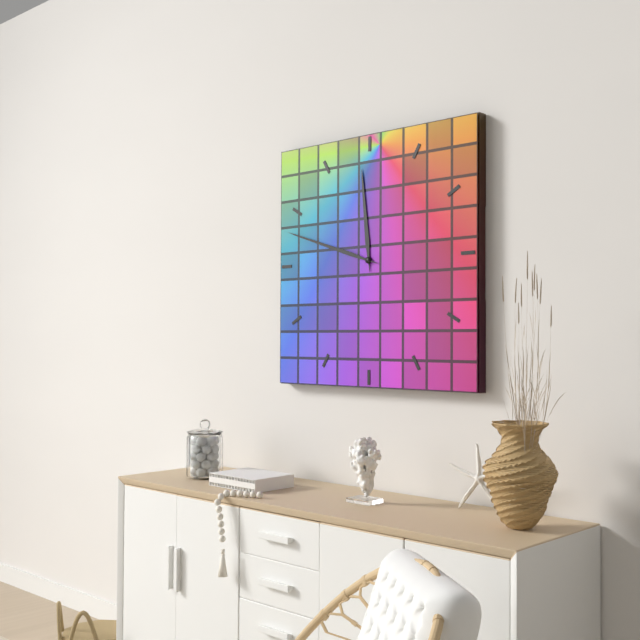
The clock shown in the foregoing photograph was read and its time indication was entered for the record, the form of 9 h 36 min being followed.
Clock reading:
11 h 48 min
